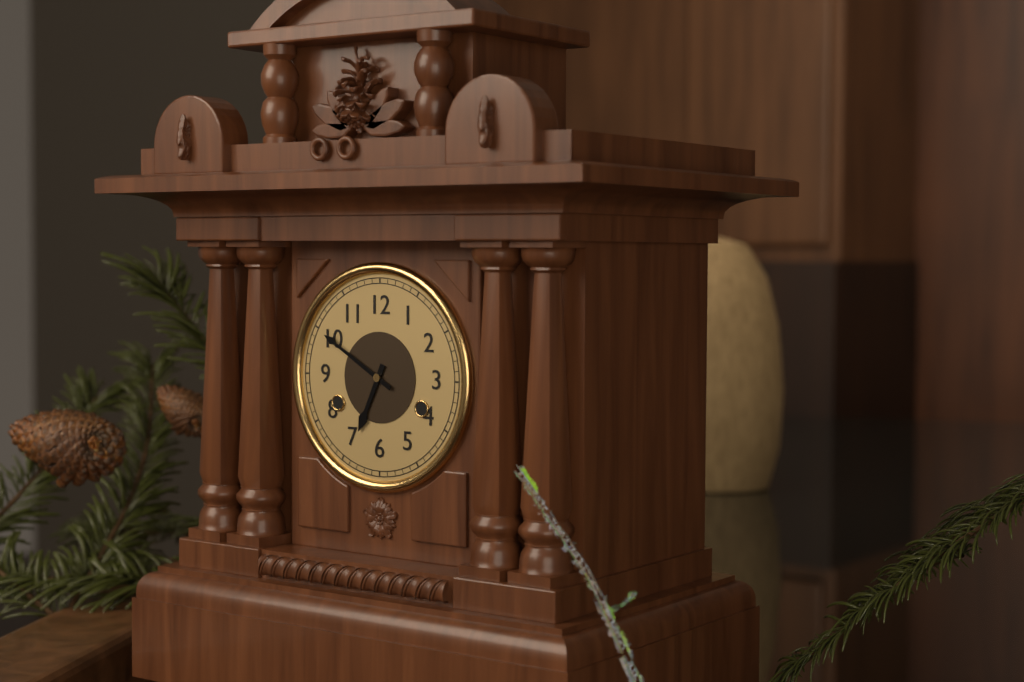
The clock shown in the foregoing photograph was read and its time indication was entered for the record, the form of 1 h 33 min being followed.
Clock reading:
6 h 50 min
